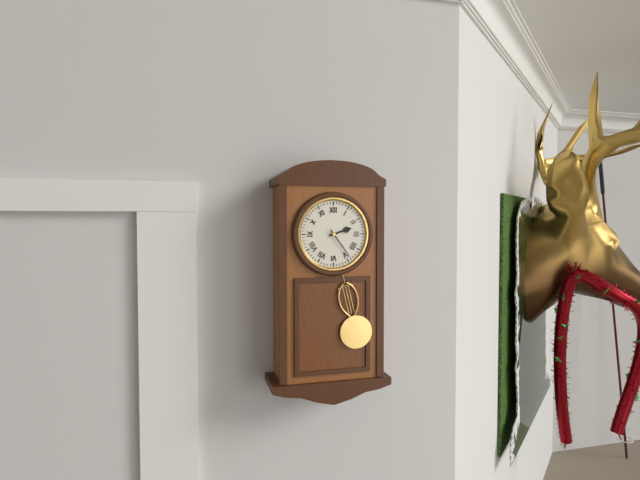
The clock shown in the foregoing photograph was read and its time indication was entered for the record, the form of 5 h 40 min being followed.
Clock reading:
2 h 24 min
